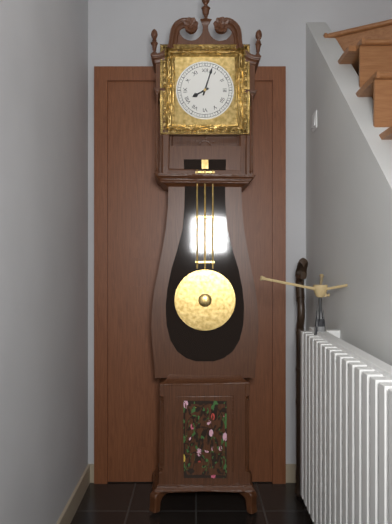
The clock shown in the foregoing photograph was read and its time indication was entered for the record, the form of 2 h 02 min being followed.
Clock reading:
8 h 03 min
